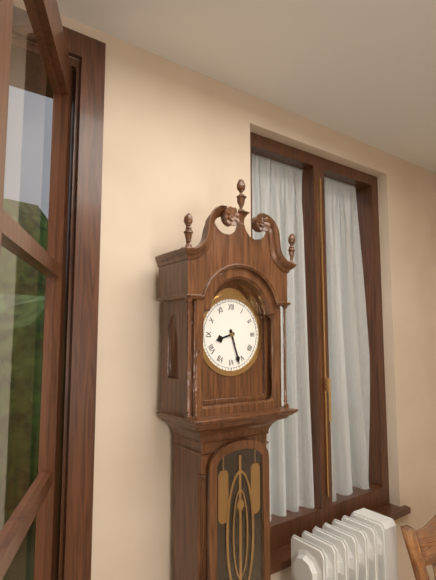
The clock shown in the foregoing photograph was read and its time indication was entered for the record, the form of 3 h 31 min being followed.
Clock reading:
8 h 27 min
